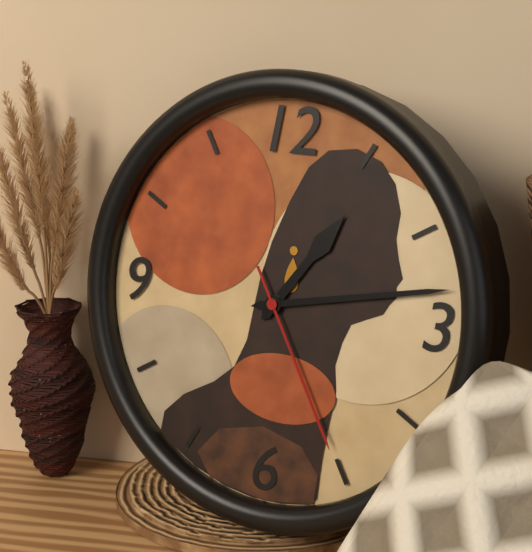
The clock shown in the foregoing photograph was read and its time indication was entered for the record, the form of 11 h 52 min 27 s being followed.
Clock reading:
1 h 13 min 25 s
